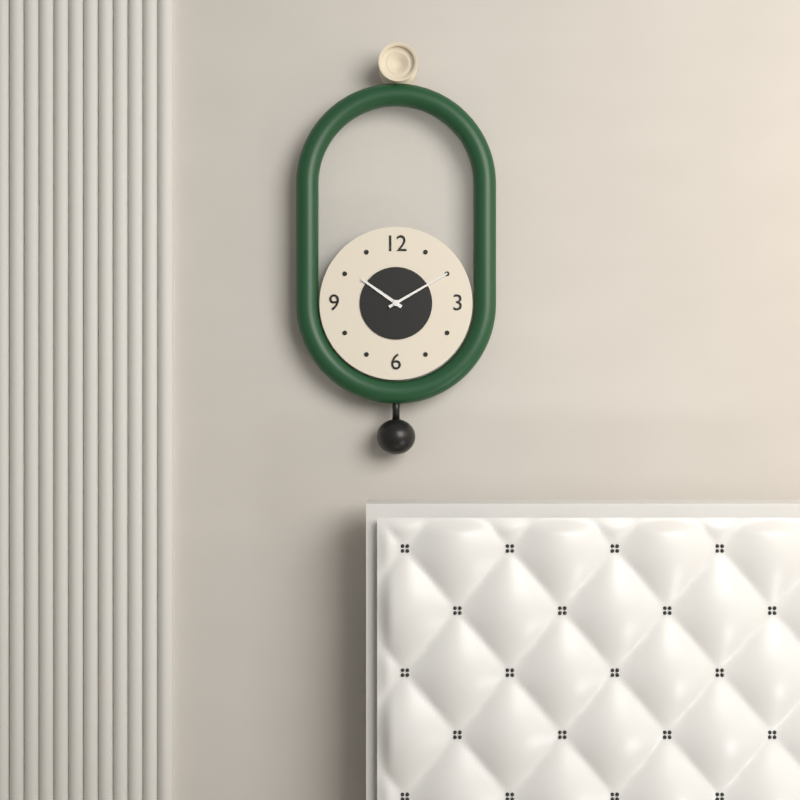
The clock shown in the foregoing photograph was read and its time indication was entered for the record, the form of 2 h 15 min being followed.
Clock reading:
10 h 10 min
